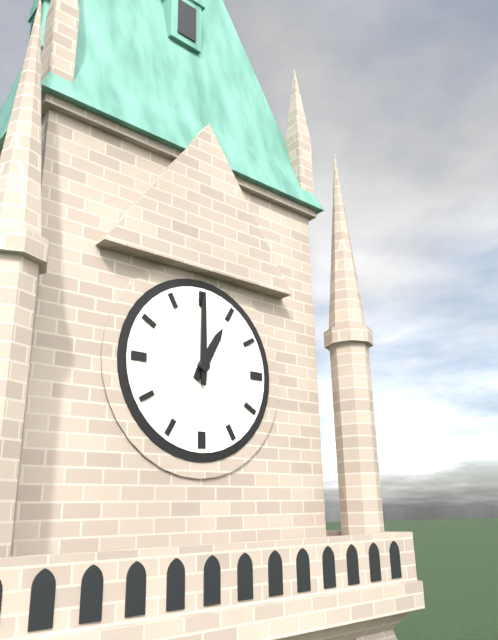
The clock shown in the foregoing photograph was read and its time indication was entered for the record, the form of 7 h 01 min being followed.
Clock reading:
1 h 00 min
